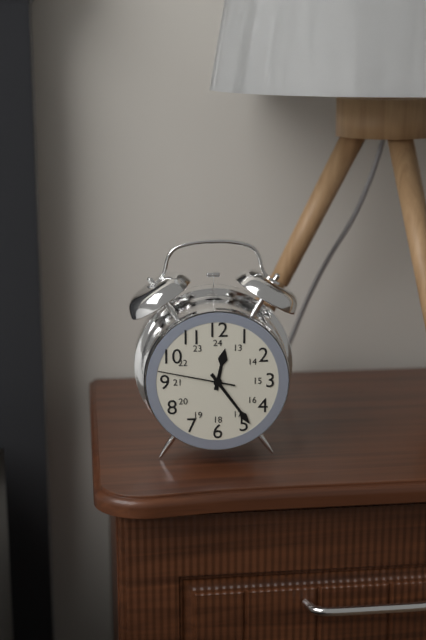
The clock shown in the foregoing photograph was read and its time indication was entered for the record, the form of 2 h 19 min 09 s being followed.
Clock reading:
12 h 24 min 47 s
